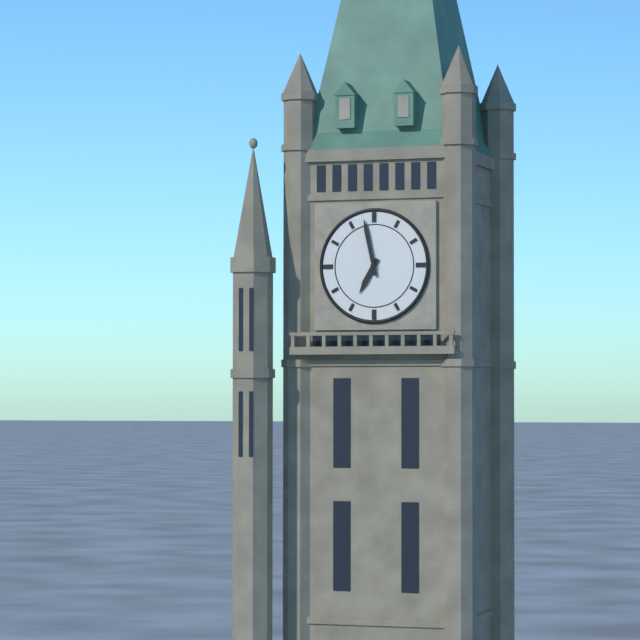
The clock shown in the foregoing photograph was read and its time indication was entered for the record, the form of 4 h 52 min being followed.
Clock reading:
6 h 58 min
